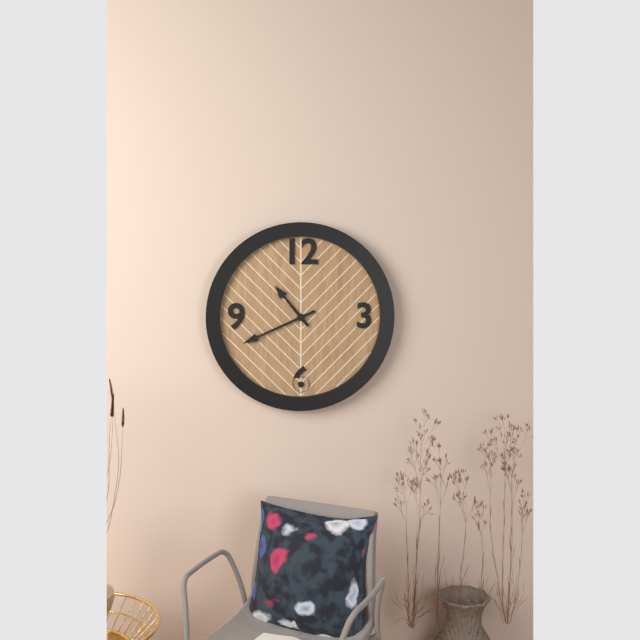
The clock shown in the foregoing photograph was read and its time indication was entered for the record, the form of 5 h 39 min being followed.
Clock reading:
10 h 41 min
